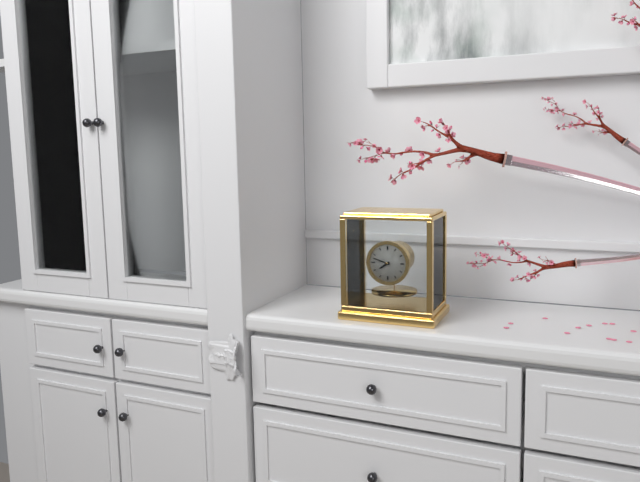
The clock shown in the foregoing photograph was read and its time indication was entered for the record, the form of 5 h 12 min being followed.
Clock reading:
7 h 48 min
